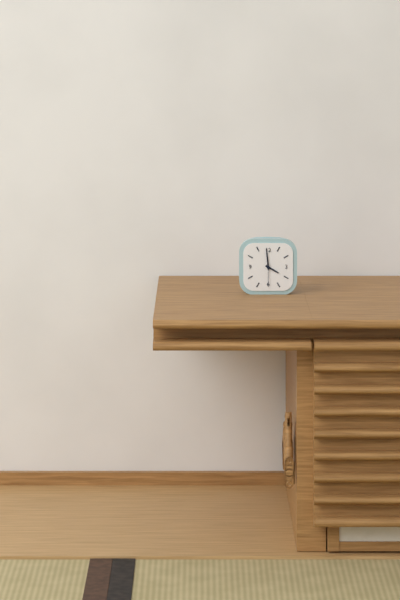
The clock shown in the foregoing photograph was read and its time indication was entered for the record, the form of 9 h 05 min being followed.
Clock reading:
3 h 59 min
